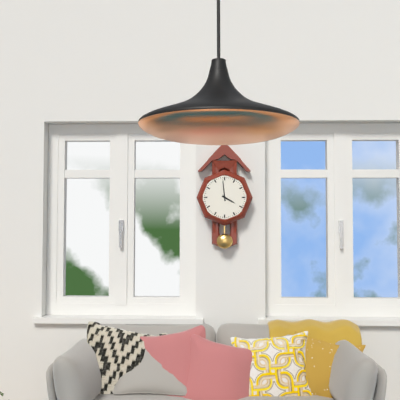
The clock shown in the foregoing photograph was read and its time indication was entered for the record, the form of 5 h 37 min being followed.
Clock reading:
3 h 59 min
